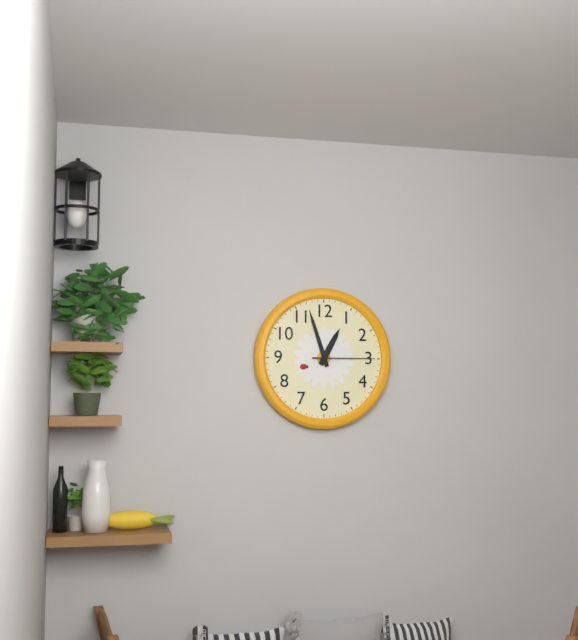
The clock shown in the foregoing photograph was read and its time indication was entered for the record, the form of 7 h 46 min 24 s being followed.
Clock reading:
12 h 57 min 15 s
